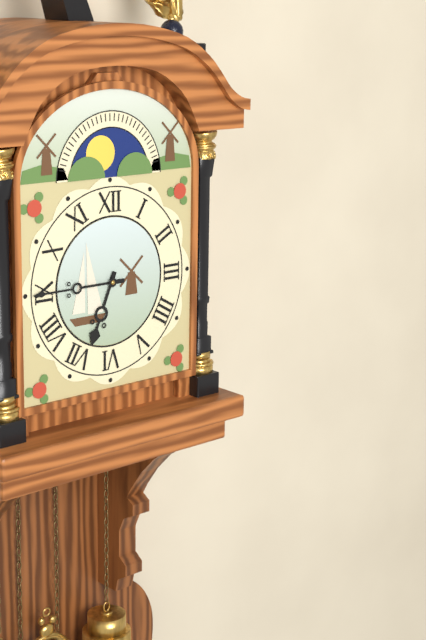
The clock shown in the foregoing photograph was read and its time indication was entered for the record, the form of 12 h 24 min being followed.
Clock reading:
6 h 45 min
